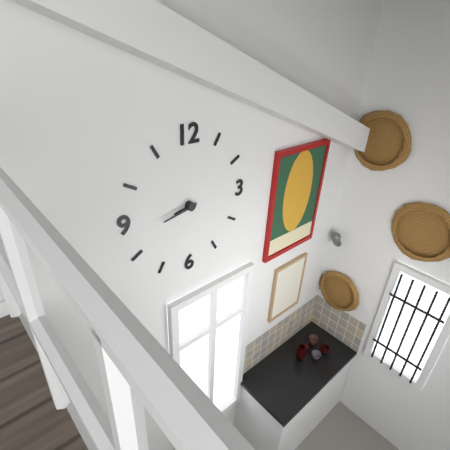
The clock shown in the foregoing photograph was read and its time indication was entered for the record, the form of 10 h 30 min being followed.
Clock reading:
8 h 43 min
